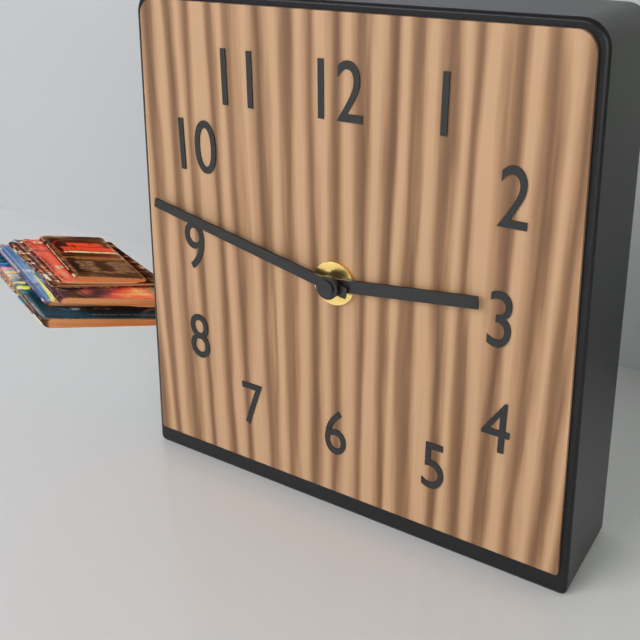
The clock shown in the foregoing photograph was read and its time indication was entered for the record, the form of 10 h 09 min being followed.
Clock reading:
2 h 47 min
